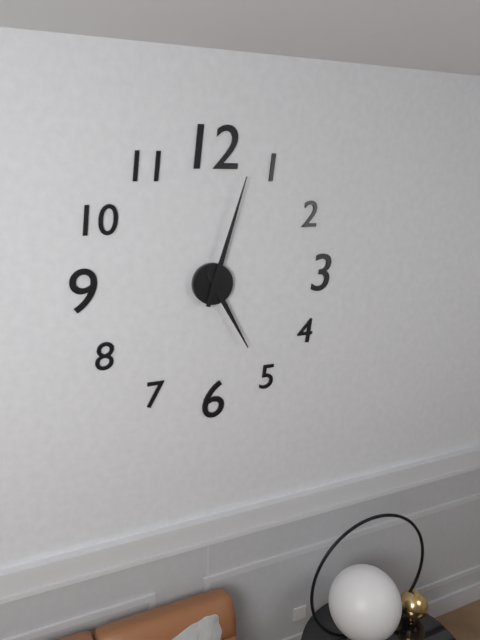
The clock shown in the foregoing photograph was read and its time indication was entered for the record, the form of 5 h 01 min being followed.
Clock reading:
5 h 03 min
